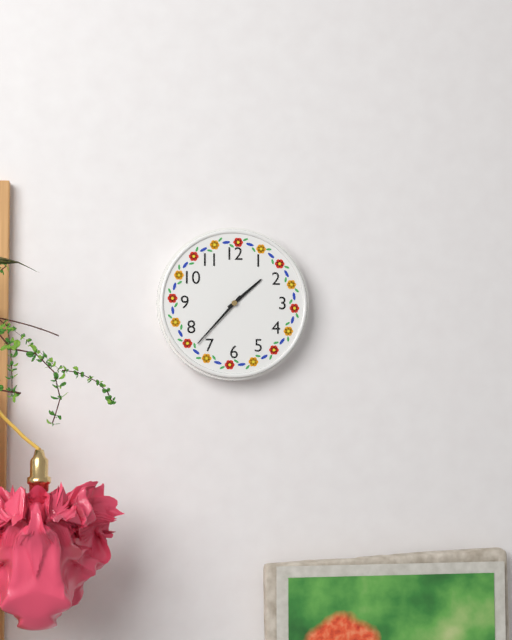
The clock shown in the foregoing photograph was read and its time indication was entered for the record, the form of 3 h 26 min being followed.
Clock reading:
1 h 37 min
